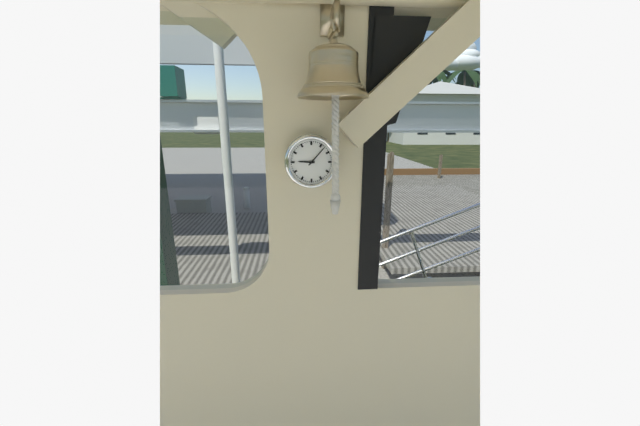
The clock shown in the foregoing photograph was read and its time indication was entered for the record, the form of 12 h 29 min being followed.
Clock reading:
9 h 07 min
